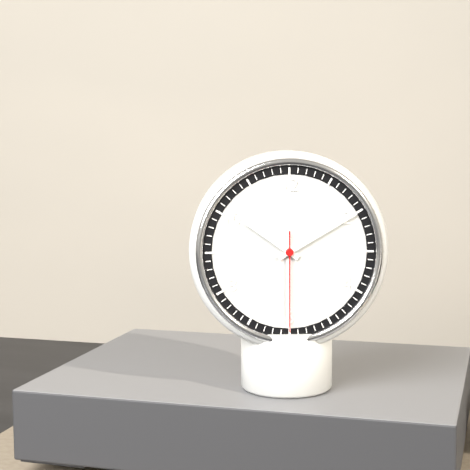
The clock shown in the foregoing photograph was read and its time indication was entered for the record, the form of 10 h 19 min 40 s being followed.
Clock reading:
10 h 10 min 30 s
